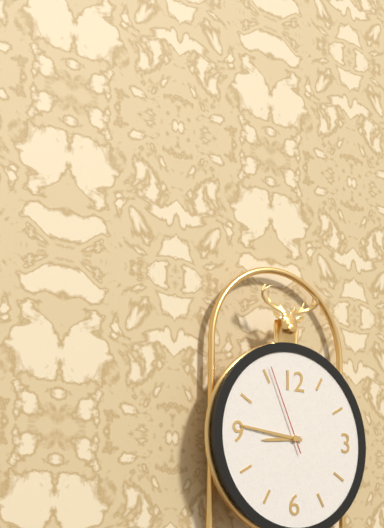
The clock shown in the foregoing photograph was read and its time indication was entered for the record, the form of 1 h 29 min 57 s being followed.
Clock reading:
8 h 46 min 56 s
